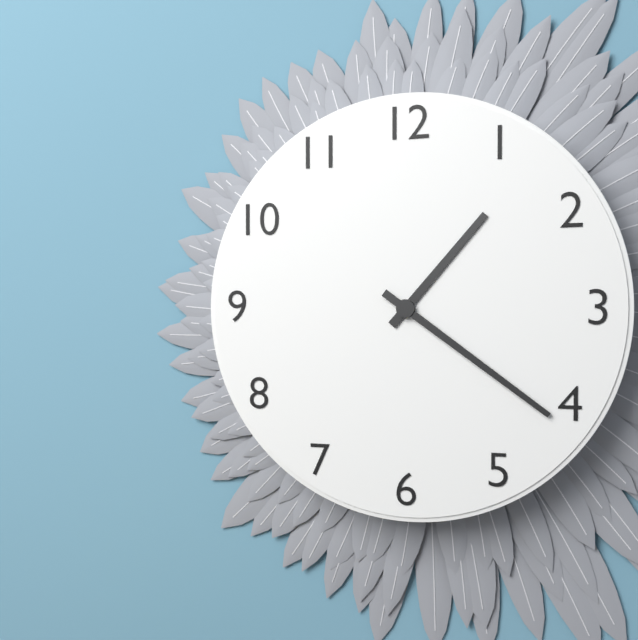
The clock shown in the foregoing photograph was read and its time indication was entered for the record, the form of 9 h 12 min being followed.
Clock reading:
1 h 21 min
